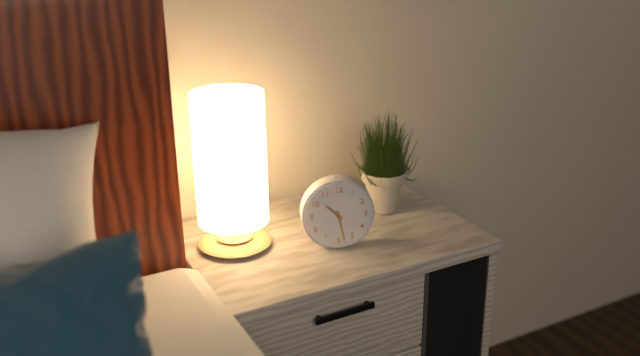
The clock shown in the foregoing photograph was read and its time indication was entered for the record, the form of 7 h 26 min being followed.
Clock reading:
10 h 28 min
